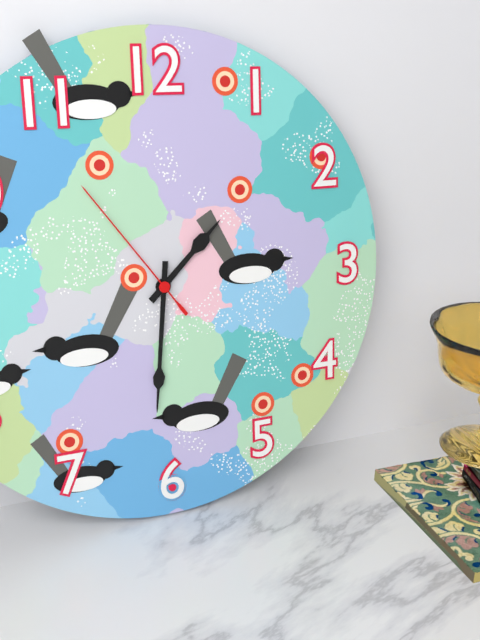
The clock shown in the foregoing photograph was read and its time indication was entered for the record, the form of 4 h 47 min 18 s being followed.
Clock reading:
1 h 31 min 54 s
